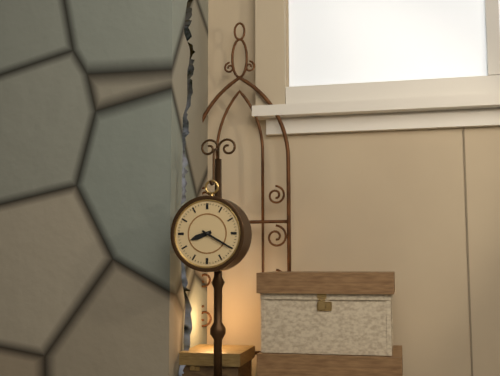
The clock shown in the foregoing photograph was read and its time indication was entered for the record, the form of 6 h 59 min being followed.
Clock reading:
8 h 20 min
